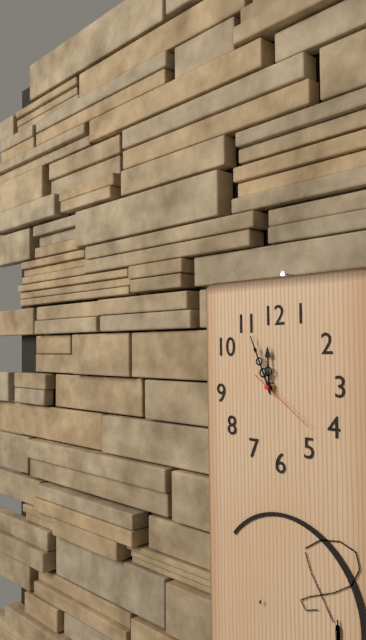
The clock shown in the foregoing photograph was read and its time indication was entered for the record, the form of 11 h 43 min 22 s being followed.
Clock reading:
11 h 56 min 21 s
